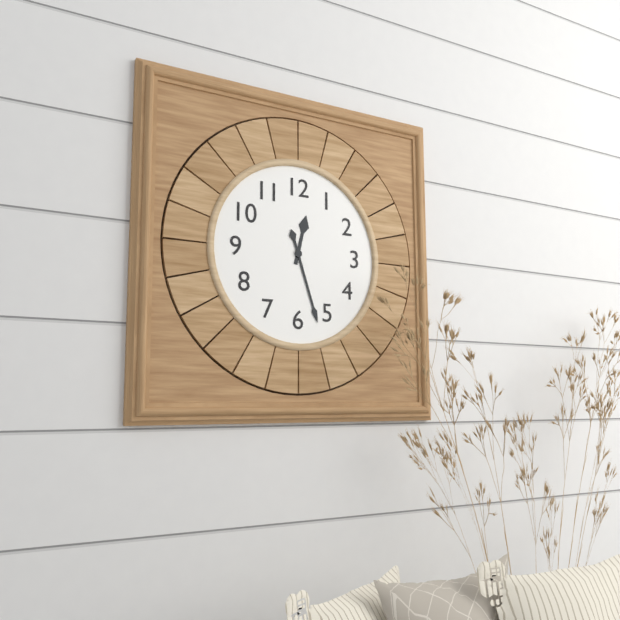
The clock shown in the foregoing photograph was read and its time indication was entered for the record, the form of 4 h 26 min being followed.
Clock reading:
12 h 27 min
